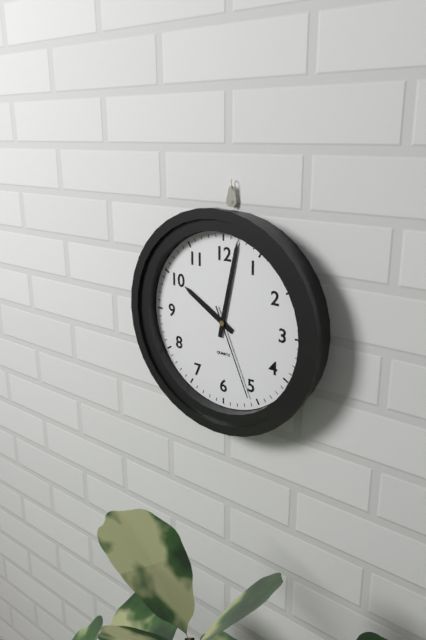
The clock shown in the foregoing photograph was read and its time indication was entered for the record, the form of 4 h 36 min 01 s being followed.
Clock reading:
10 h 02 min 26 s
